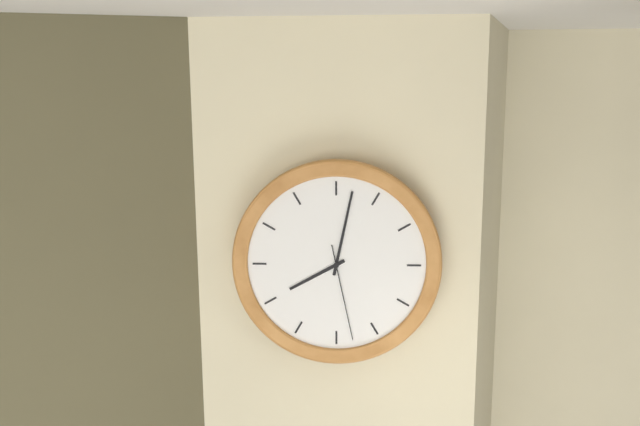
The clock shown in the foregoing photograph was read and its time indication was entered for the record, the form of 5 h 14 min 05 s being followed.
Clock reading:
8 h 02 min 28 s
